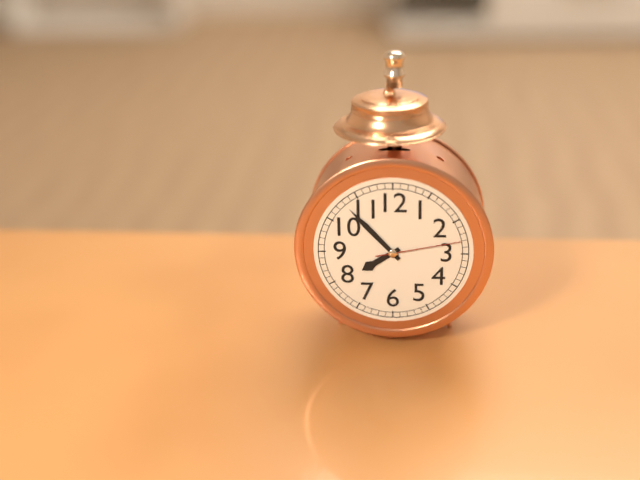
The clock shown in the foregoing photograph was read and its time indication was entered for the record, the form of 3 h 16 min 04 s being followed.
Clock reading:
7 h 53 min 13 s
